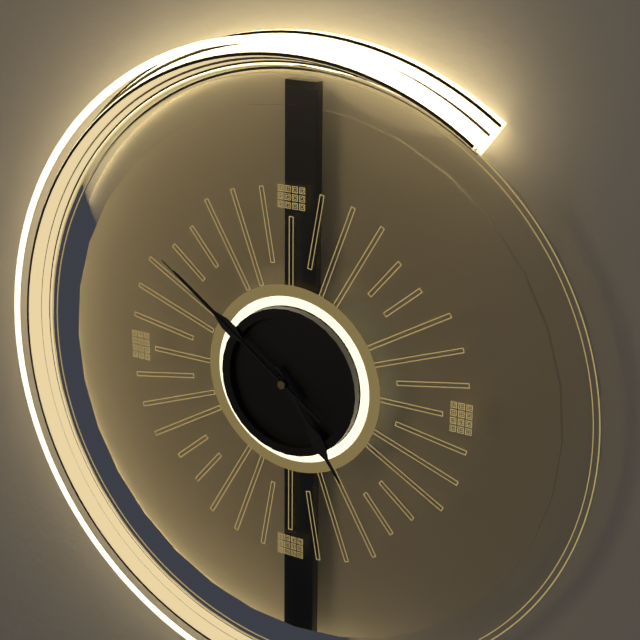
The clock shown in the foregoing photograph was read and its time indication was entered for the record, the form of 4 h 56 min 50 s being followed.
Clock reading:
4 h 51 min 51 s
